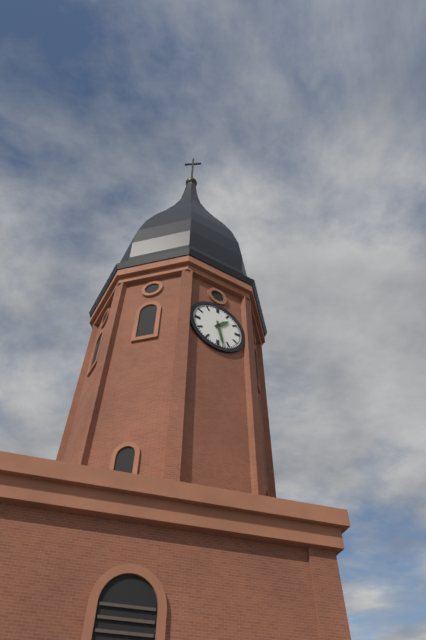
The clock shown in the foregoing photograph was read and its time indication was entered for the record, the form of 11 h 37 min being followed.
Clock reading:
1 h 28 min
